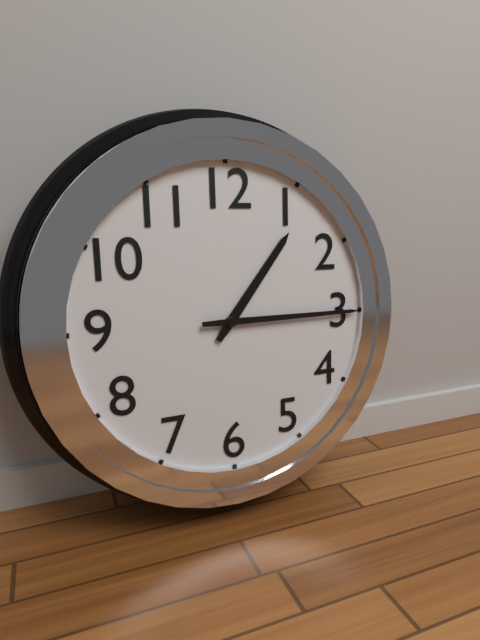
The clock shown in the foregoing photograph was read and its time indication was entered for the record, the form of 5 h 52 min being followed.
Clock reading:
1 h 15 min
